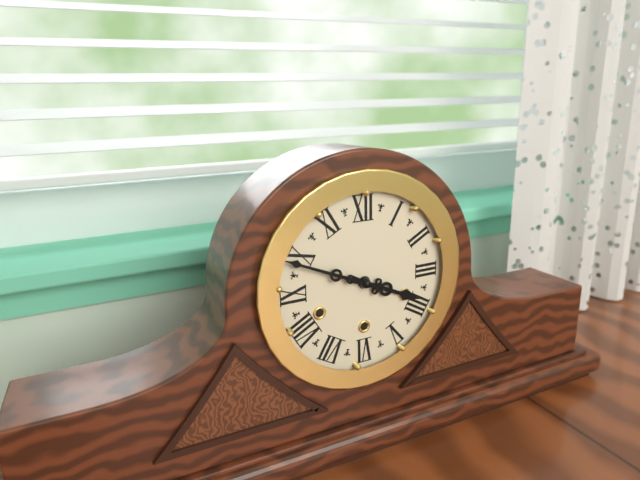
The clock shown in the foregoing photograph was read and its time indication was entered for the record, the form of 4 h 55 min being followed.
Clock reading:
3 h 49 min
